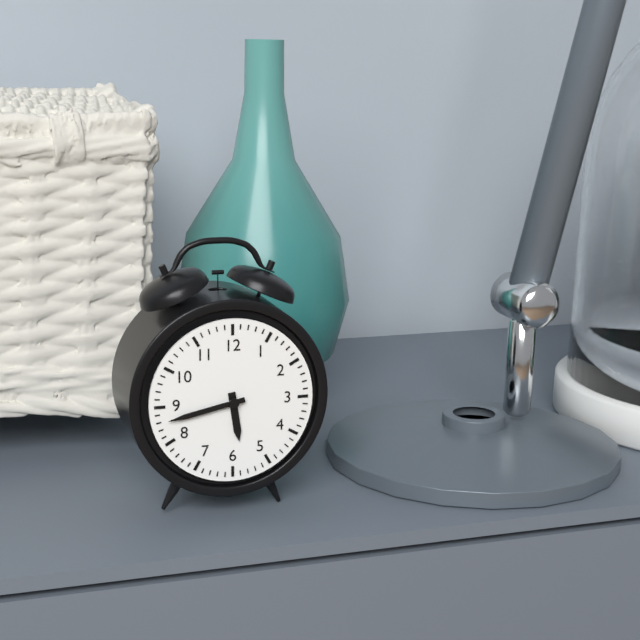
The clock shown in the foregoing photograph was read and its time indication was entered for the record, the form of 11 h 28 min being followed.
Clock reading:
5 h 43 min
